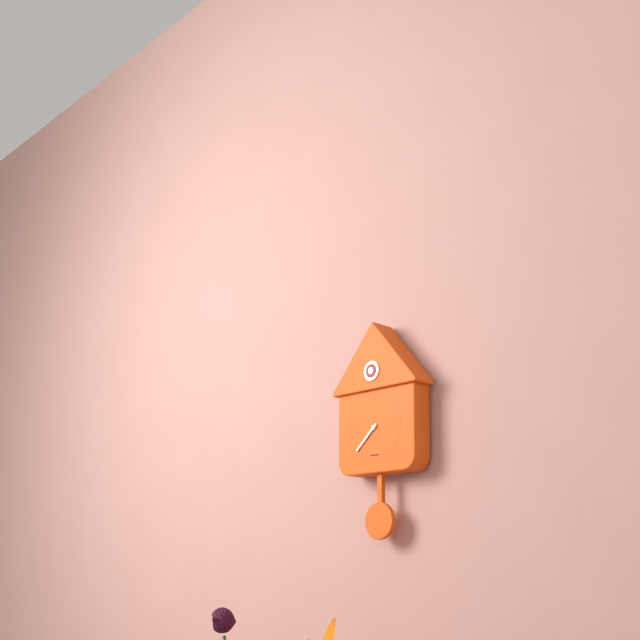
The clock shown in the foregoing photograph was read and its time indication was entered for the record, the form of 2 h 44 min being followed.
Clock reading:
7 h 38 min
